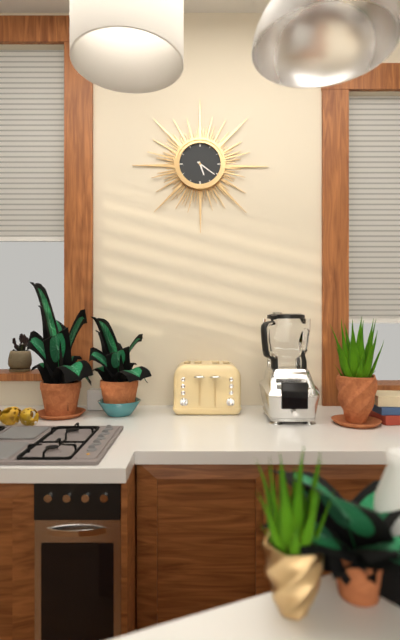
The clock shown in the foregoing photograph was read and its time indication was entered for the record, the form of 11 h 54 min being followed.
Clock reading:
5 h 21 min
